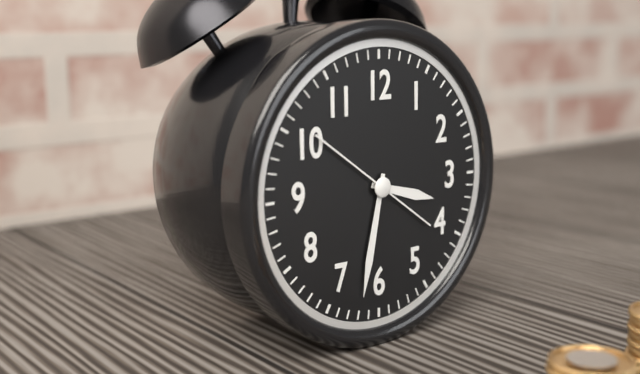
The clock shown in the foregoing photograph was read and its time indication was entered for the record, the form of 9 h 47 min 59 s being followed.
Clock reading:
3 h 32 min 51 s
